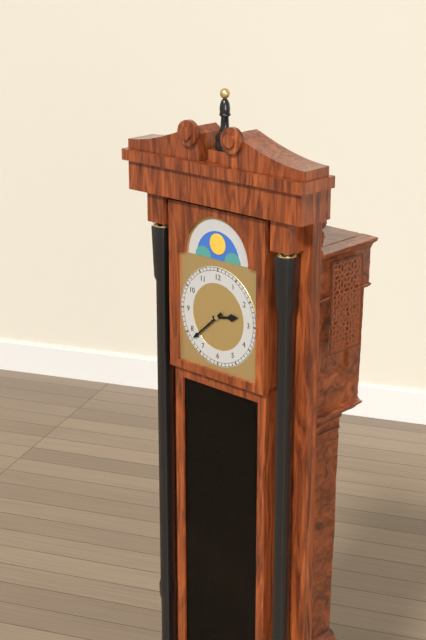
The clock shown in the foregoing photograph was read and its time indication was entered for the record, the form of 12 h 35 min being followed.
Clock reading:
2 h 38 min
